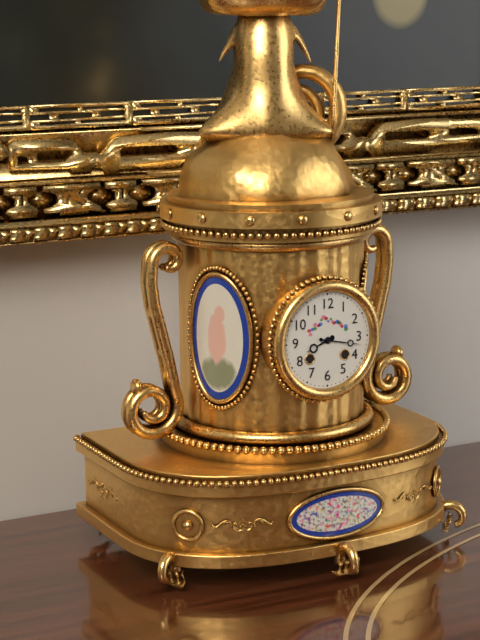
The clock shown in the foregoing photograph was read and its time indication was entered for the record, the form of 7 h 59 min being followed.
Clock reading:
8 h 17 min
